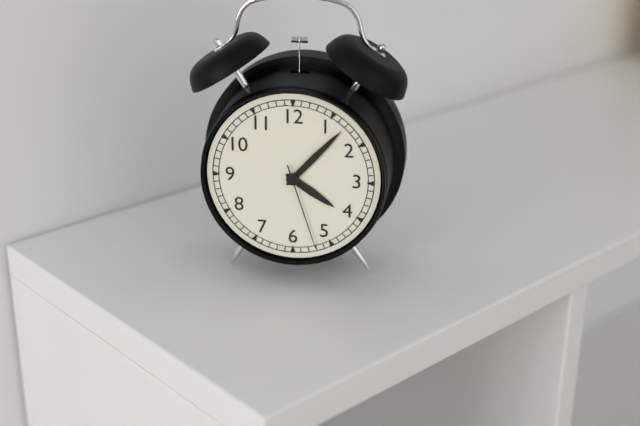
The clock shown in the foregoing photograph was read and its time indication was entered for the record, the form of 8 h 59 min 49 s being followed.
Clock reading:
4 h 07 min 27 s
